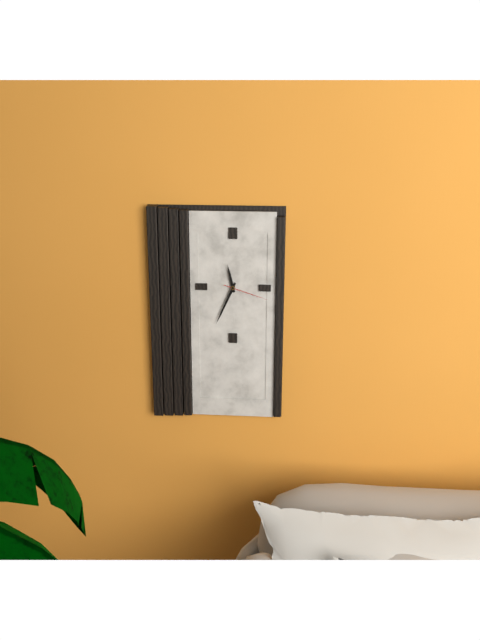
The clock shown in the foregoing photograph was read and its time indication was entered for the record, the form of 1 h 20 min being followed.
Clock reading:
11 h 34 min
